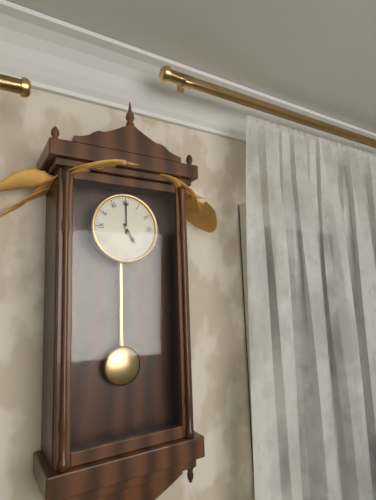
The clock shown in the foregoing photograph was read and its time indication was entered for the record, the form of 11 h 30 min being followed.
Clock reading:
5 h 00 min
